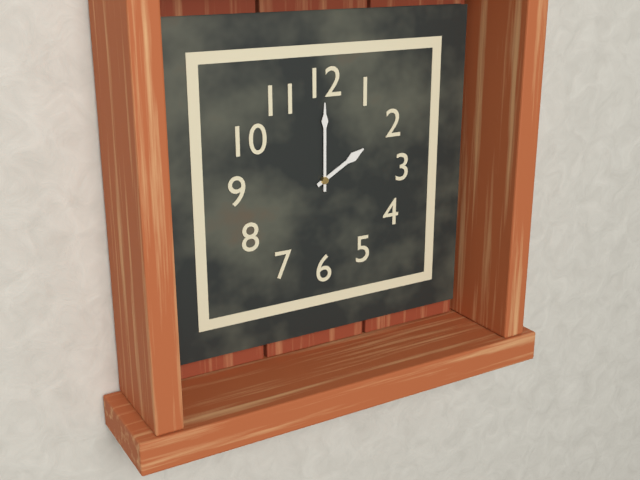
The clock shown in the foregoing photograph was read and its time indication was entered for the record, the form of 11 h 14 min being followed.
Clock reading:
2 h 00 min
